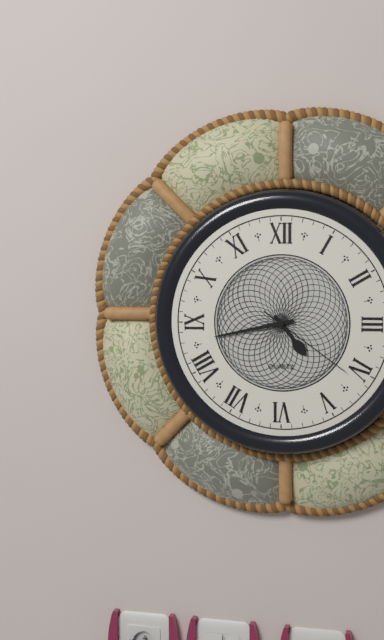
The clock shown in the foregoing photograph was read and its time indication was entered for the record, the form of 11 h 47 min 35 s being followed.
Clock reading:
4 h 43 min 21 s
